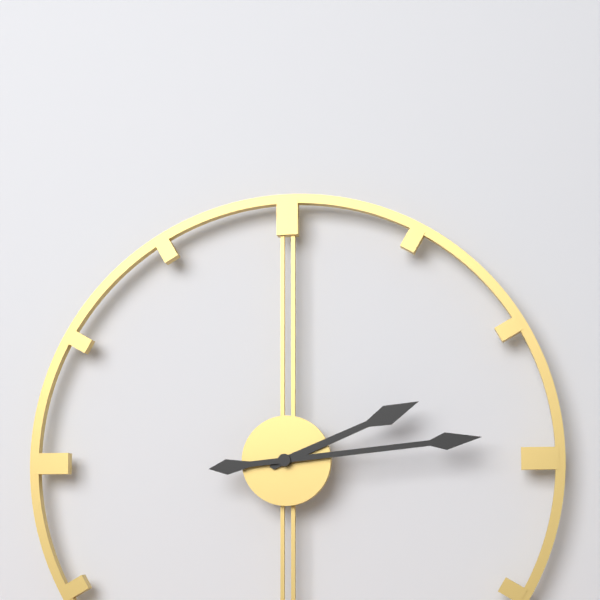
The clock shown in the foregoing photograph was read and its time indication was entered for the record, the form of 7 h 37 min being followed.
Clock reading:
2 h 14 min
